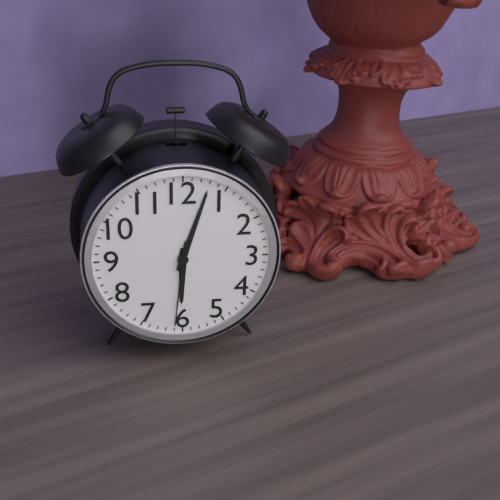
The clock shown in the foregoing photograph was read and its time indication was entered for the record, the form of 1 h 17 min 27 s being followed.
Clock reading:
6 h 03 min 31 s
